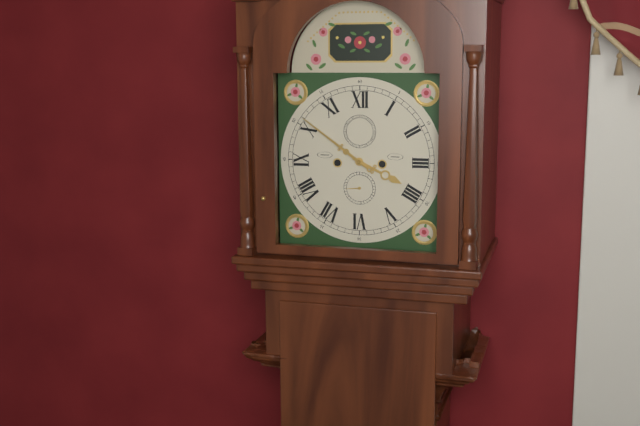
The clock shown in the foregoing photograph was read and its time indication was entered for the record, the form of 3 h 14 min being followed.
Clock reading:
3 h 51 min
